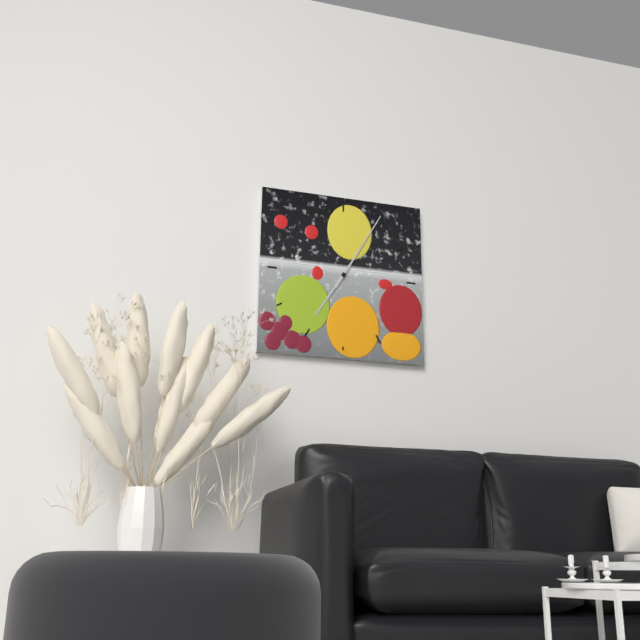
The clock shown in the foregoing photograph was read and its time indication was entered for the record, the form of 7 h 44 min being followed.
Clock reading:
7 h 05 min
